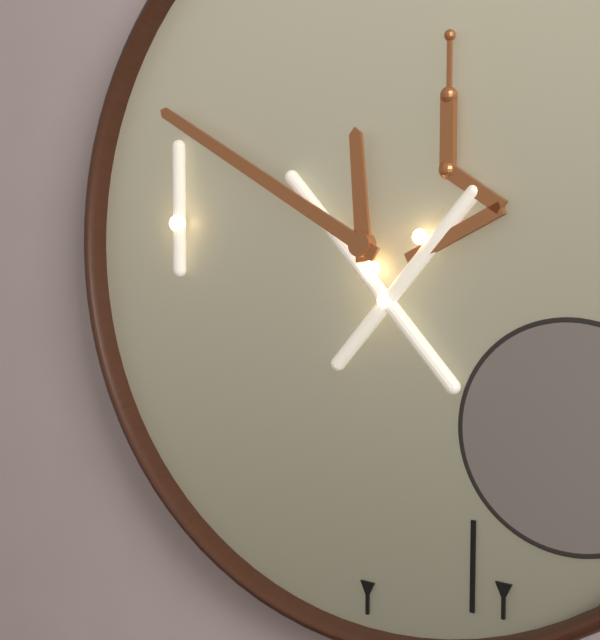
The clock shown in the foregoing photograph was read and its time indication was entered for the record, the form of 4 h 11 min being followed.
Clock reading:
11 h 50 min
